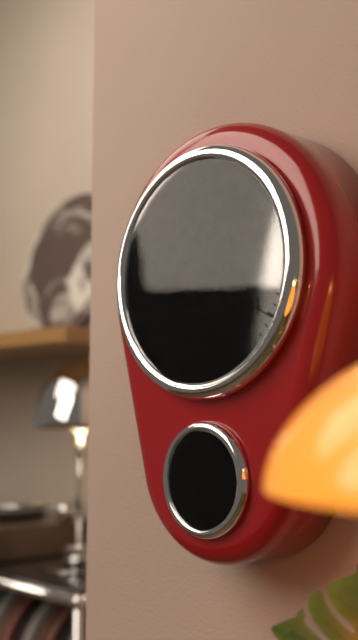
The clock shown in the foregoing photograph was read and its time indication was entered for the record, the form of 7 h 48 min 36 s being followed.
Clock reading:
10 h 45 min 20 s
